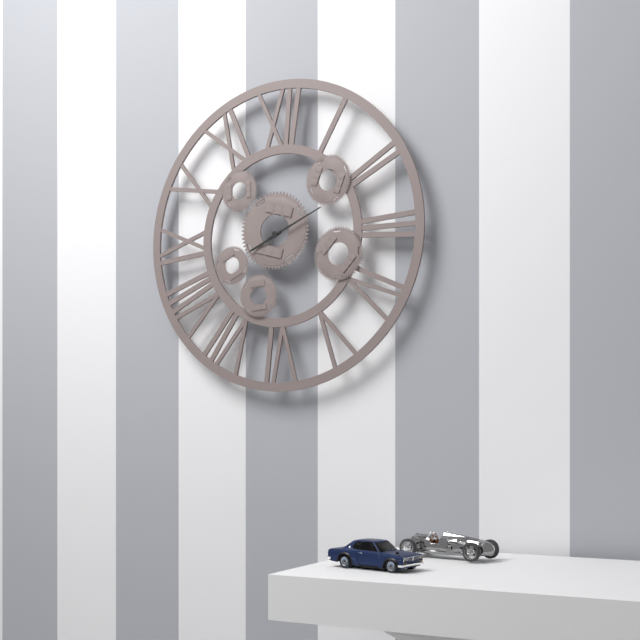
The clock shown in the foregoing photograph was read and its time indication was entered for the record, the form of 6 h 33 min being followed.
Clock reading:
8 h 11 min
